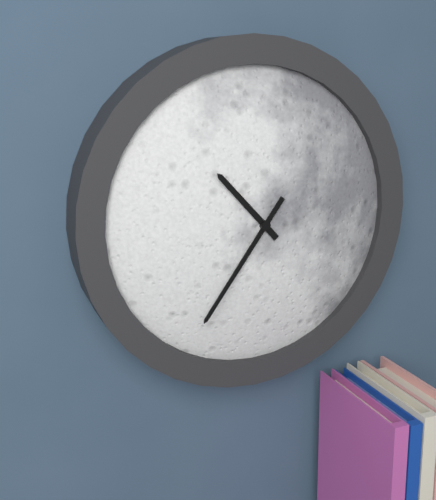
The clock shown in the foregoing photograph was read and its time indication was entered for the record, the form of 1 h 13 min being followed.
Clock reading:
10 h 36 min
